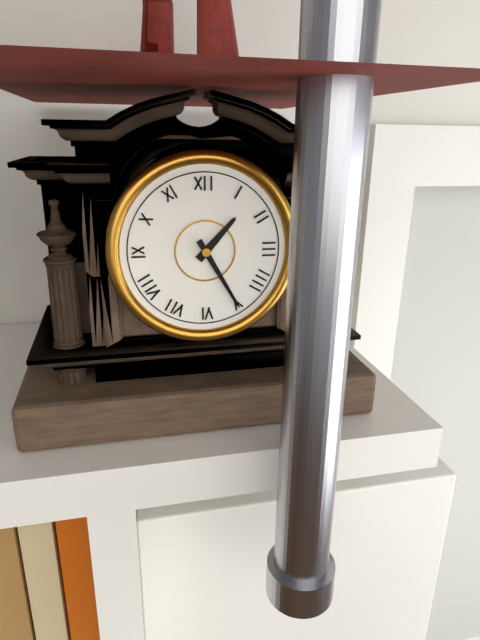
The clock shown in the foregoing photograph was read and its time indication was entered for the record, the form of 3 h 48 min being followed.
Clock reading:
1 h 25 min
